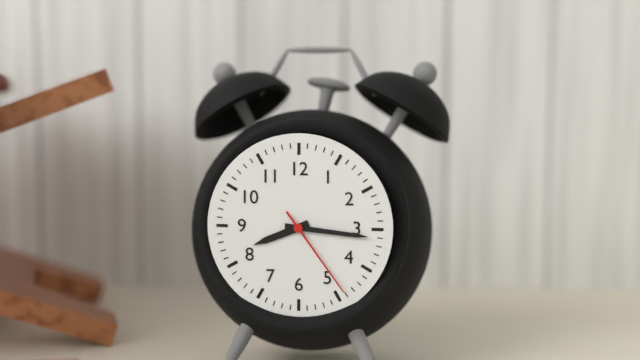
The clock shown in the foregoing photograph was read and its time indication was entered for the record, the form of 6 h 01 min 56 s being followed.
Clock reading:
8 h 16 min 24 s
